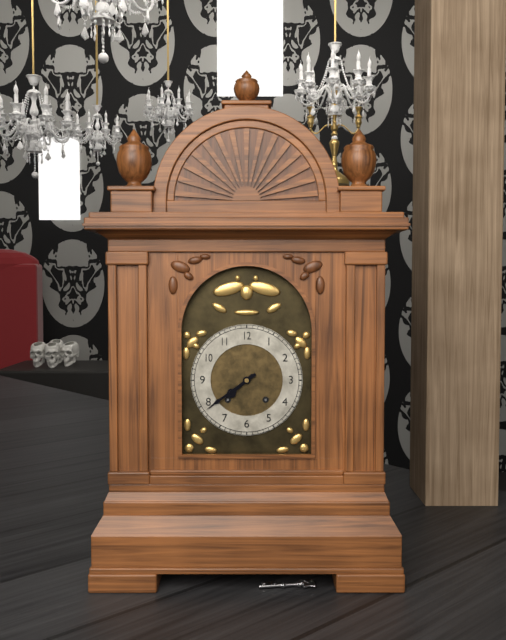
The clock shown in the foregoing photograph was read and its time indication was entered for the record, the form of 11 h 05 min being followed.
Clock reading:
7 h 39 min
